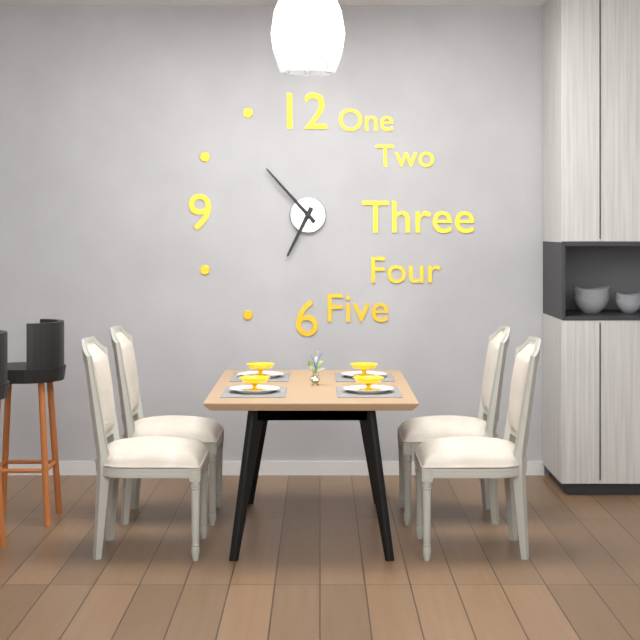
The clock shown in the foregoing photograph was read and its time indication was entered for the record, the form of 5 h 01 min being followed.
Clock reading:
6 h 53 min
